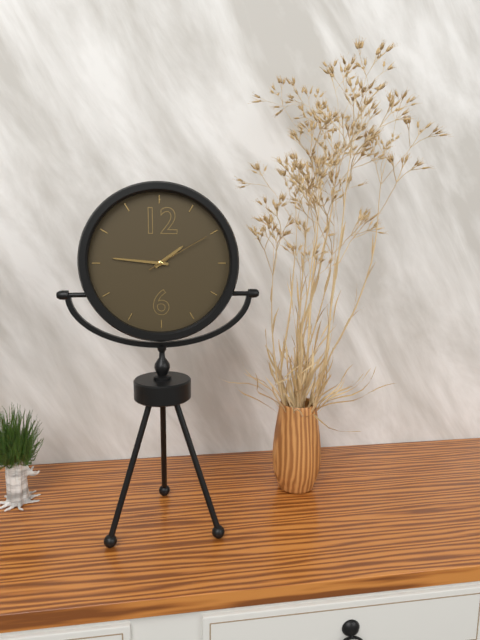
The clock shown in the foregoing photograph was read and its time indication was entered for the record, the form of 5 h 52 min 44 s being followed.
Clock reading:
1 h 46 min 10 s
